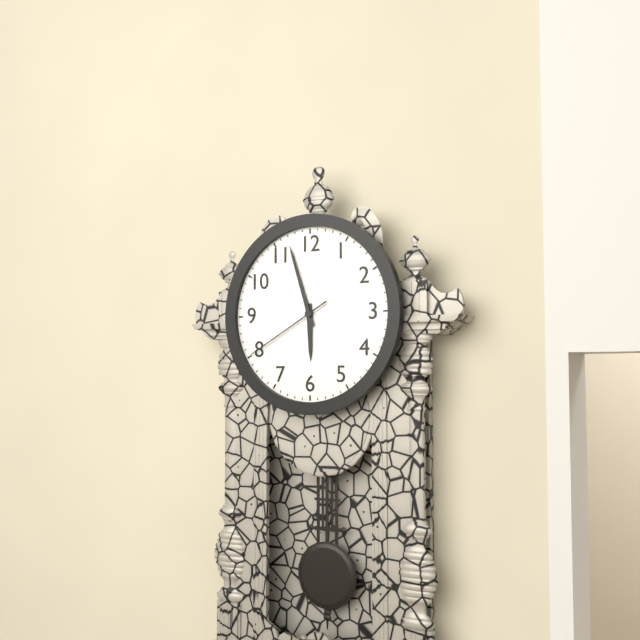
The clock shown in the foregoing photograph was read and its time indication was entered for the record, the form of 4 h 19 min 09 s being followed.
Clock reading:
5 h 57 min 40 s
